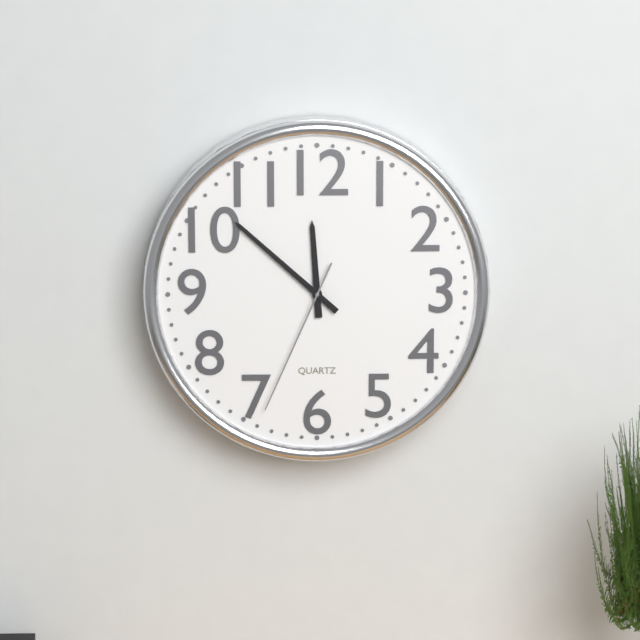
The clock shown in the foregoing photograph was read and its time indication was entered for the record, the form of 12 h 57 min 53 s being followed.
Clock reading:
11 h 52 min 34 s
